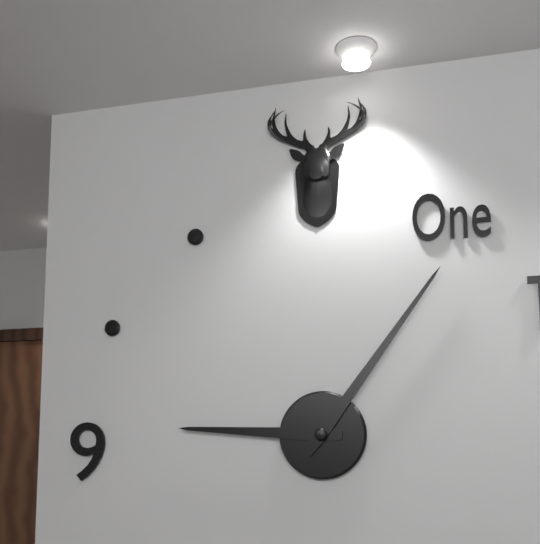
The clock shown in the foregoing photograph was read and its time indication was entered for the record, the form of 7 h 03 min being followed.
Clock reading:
9 h 06 min
